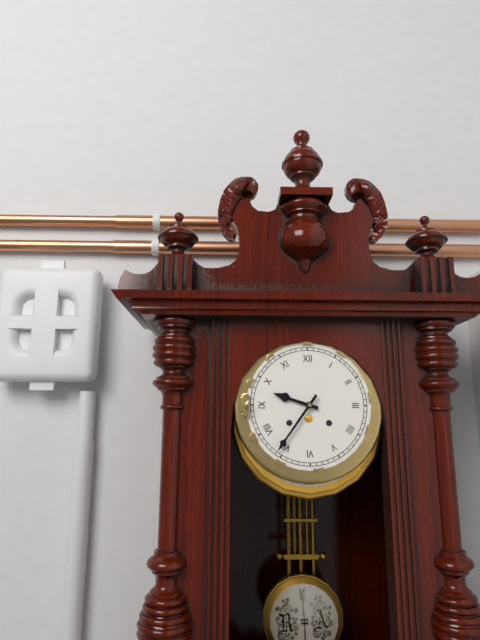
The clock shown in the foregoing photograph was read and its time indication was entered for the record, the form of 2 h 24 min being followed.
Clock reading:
9 h 36 min
